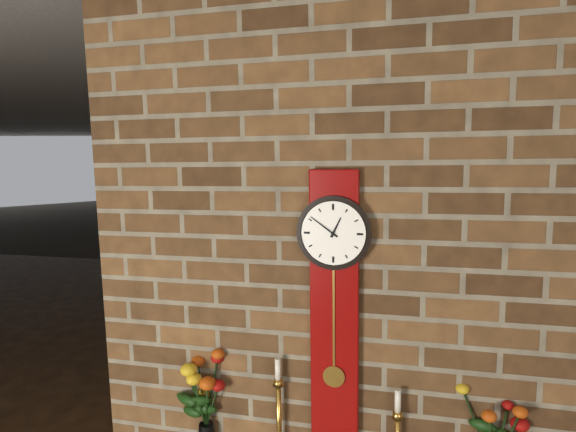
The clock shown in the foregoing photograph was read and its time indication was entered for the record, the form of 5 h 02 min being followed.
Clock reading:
12 h 51 min
